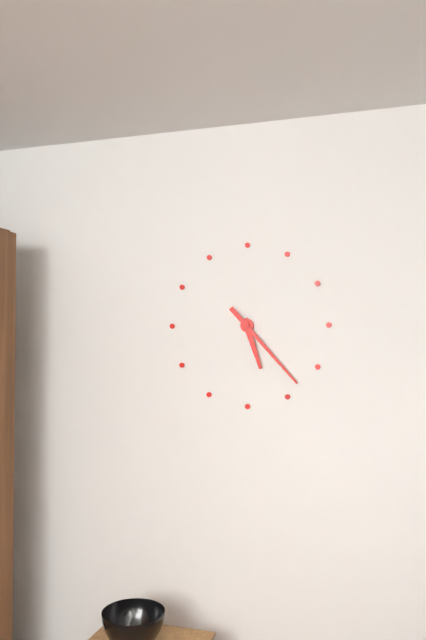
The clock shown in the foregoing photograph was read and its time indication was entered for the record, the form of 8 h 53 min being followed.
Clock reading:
5 h 23 min
